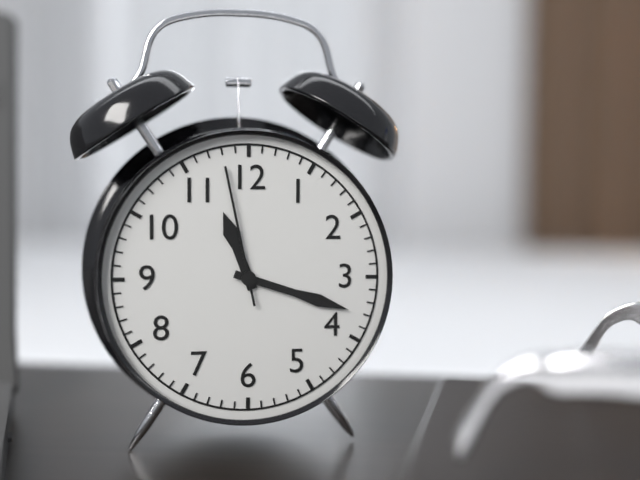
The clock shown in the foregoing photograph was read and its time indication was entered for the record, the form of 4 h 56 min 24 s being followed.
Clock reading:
11 h 18 min 58 s
